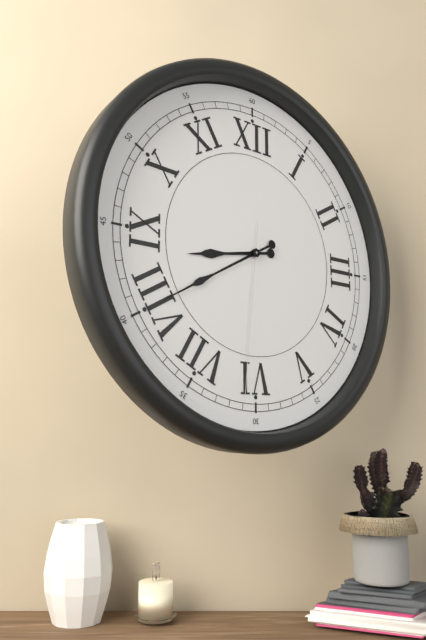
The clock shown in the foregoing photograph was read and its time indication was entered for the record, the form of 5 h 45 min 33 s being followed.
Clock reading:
8 h 40 min 31 s
